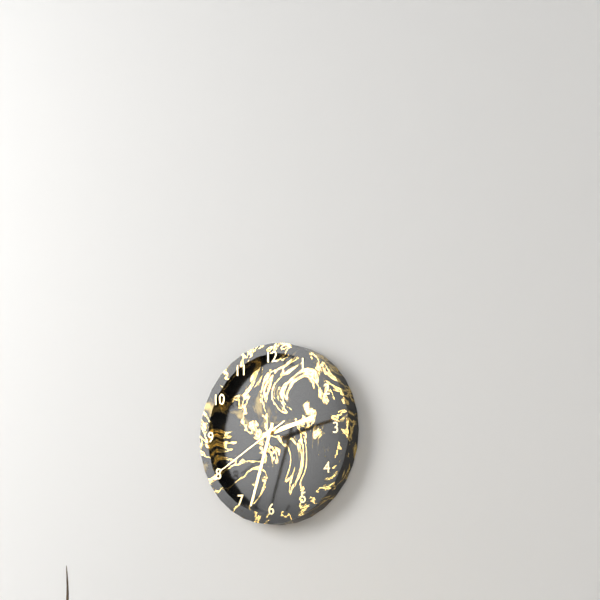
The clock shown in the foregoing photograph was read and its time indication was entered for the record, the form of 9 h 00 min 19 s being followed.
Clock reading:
2 h 33 min 40 s
